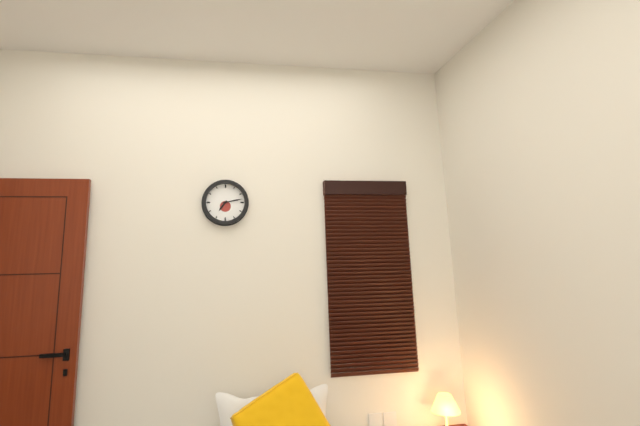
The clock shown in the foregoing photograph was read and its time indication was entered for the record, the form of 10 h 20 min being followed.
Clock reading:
7 h 13 min
